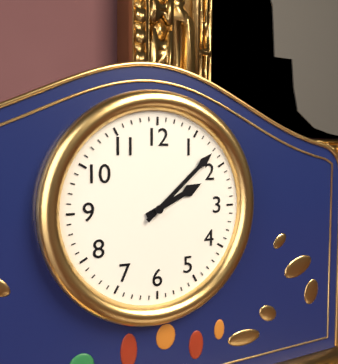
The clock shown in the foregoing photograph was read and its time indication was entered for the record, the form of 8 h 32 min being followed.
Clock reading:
2 h 08 min
